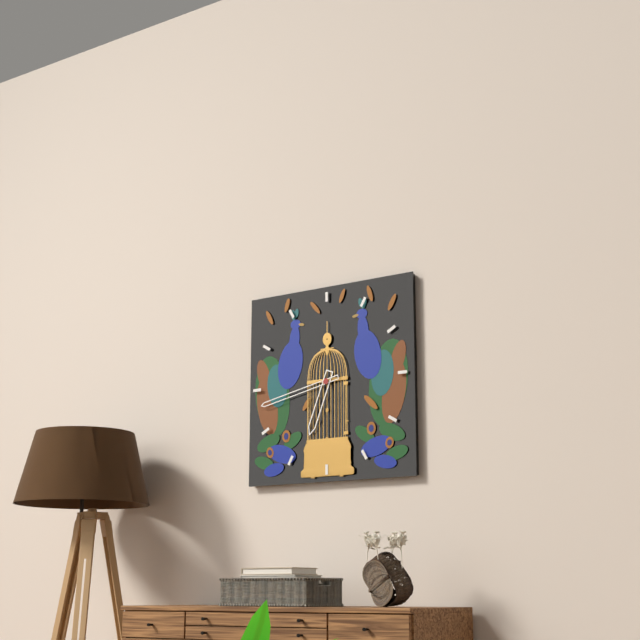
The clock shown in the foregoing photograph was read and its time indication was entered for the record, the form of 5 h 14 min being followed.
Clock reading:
6 h 43 min
